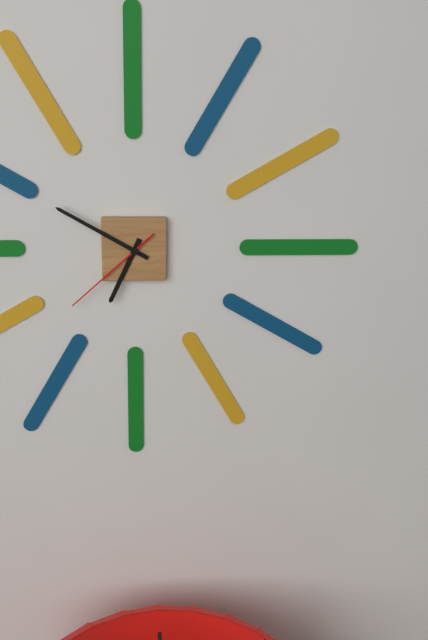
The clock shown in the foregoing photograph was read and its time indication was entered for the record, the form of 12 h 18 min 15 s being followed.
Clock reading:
6 h 50 min 38 s
